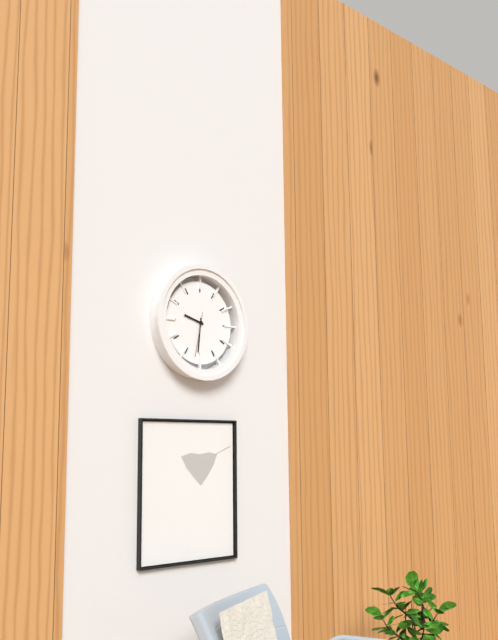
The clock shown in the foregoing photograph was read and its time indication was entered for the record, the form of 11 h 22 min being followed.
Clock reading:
9 h 31 min
